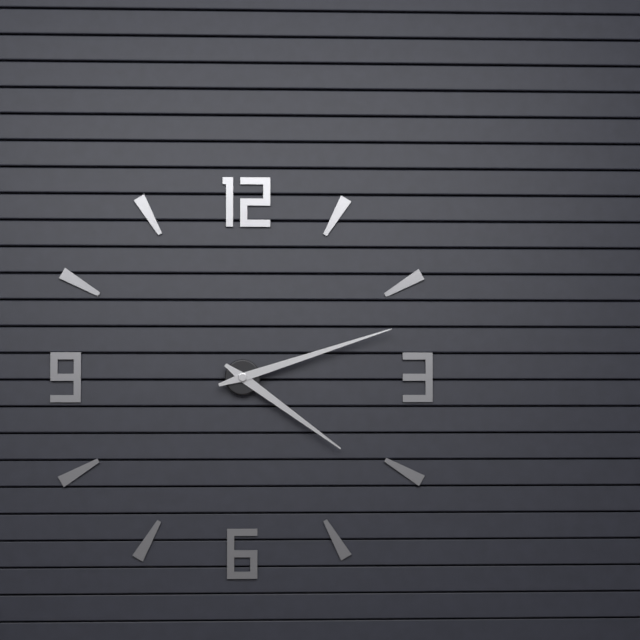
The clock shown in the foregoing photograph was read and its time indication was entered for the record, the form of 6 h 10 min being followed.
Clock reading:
4 h 12 min
